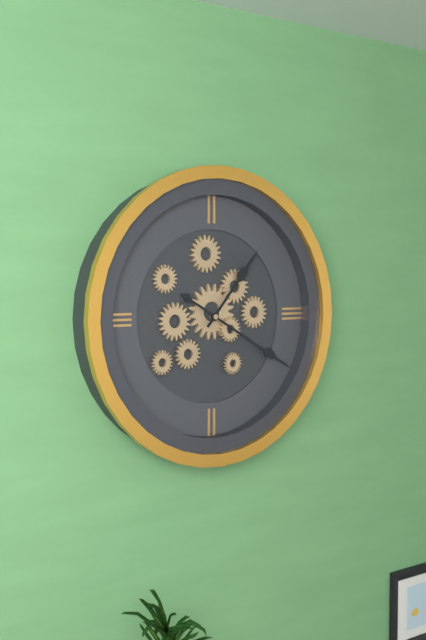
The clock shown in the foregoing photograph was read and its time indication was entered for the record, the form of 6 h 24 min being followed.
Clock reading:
1 h 20 min
